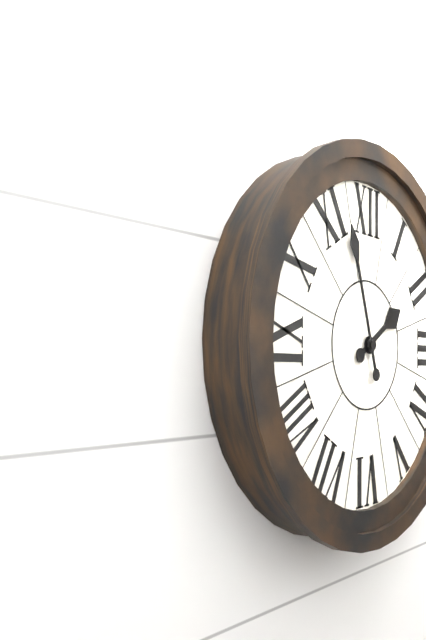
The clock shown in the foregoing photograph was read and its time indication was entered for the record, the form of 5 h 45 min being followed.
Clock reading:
1 h 57 min
